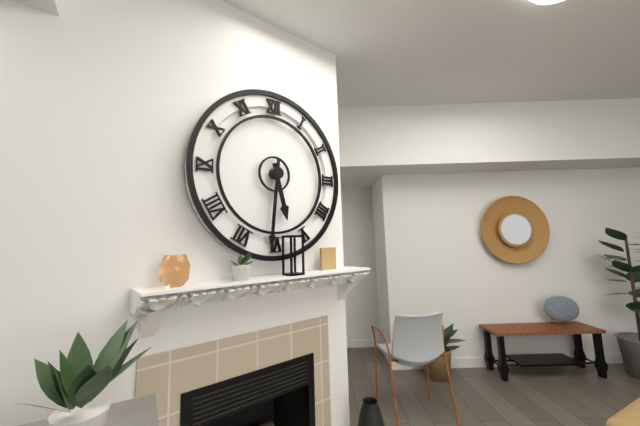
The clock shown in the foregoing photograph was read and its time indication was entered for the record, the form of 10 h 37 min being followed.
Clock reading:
5 h 31 min
